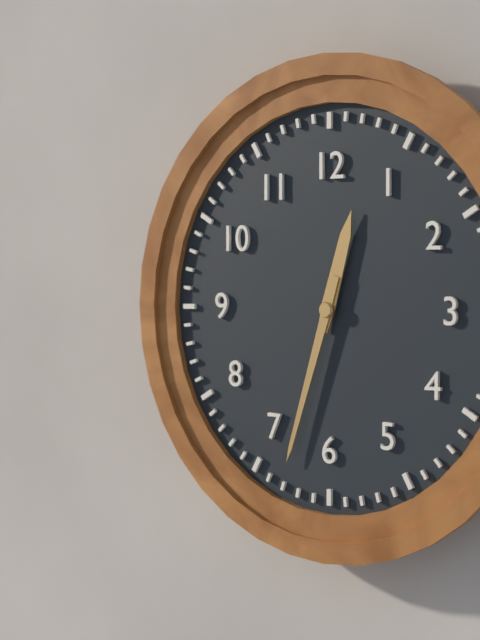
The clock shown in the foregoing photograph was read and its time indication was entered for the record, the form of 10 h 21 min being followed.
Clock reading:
12 h 33 min
